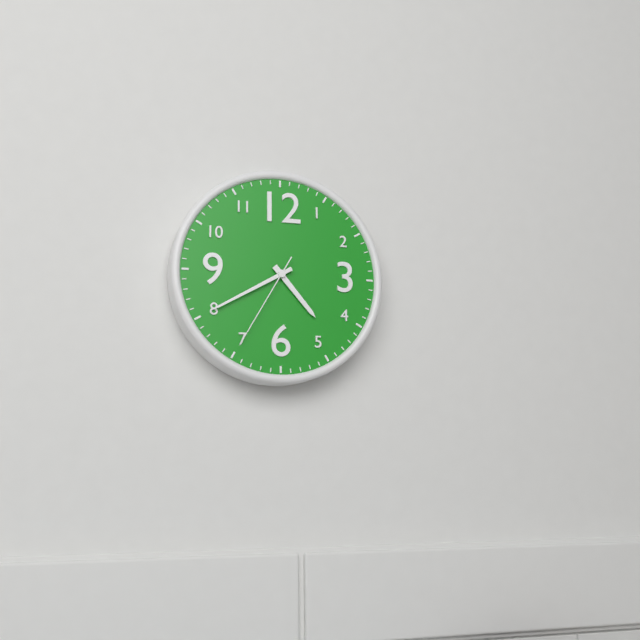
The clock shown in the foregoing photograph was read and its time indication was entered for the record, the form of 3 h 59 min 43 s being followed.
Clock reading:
4 h 40 min 35 s
